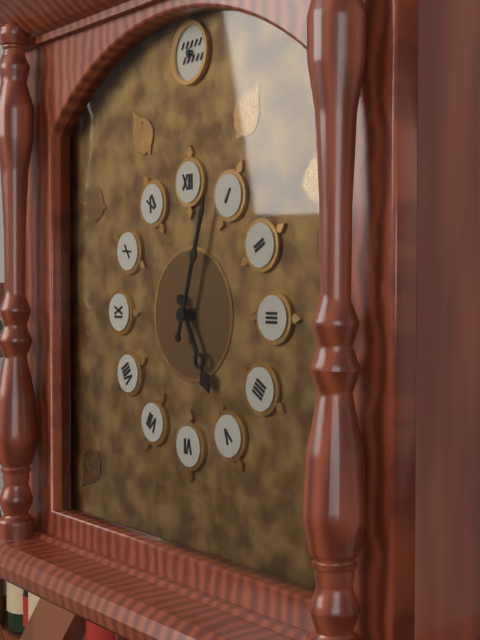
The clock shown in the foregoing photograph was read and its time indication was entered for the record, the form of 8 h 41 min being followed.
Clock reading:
5 h 03 min
